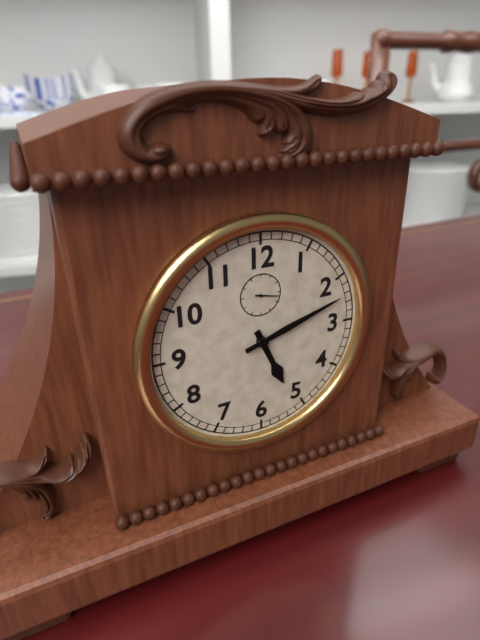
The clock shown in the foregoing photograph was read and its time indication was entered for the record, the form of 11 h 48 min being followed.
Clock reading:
5 h 12 min
